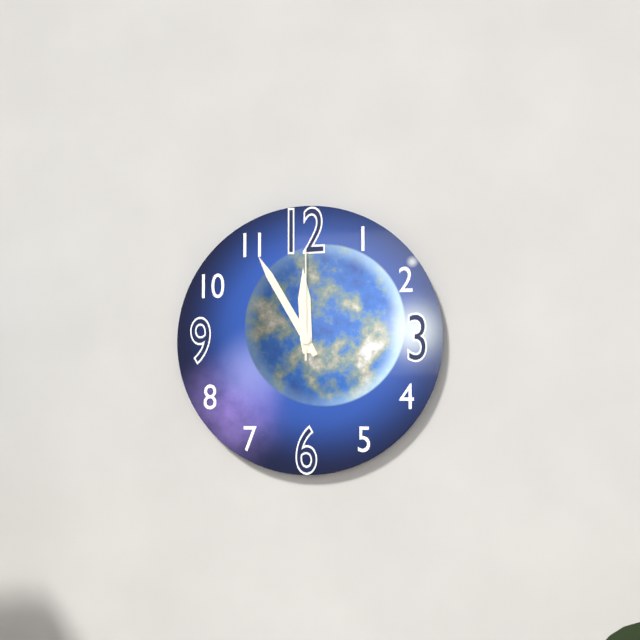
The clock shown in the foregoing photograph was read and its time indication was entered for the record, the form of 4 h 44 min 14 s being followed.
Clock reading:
11 h 55 min 00 s
